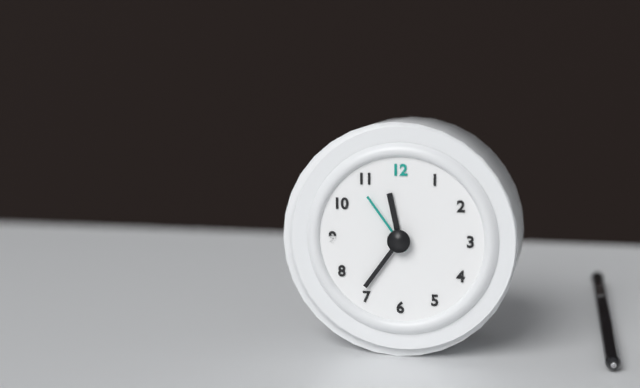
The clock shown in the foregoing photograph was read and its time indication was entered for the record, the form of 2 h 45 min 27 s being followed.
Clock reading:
11 h 36 min 54 s
